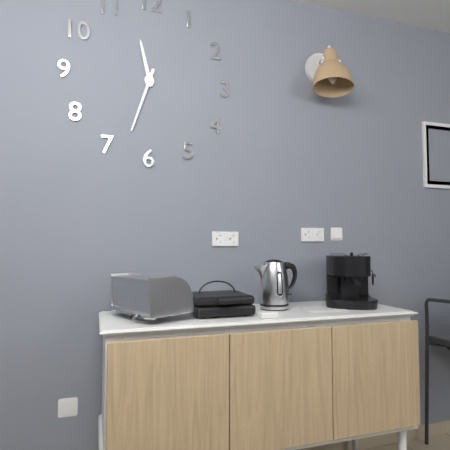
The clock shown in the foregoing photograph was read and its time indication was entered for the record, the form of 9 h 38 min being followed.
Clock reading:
11 h 33 min
